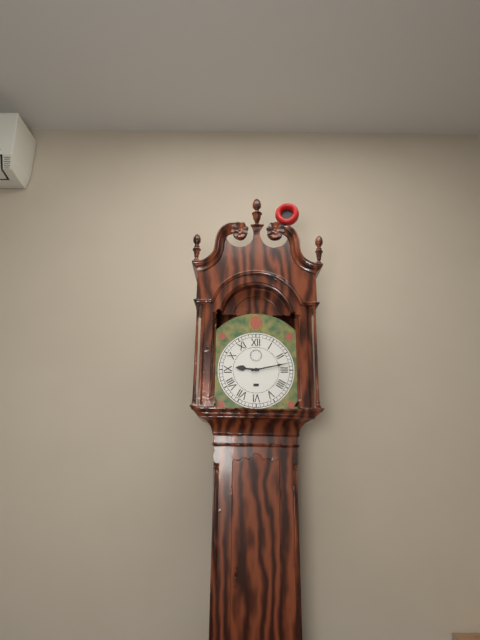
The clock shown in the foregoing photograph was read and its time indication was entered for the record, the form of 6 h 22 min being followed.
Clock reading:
9 h 13 min
